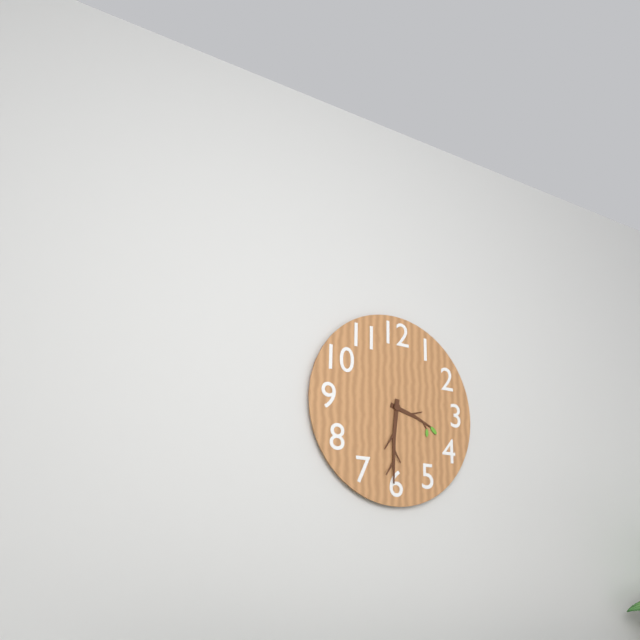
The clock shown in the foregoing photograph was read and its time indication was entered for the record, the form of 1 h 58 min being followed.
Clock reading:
3 h 31 min
